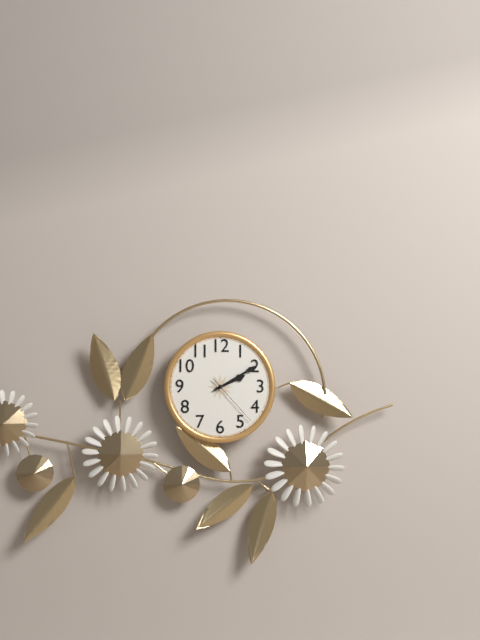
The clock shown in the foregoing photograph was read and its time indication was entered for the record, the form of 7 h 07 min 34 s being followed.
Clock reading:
2 h 10 min 23 s
